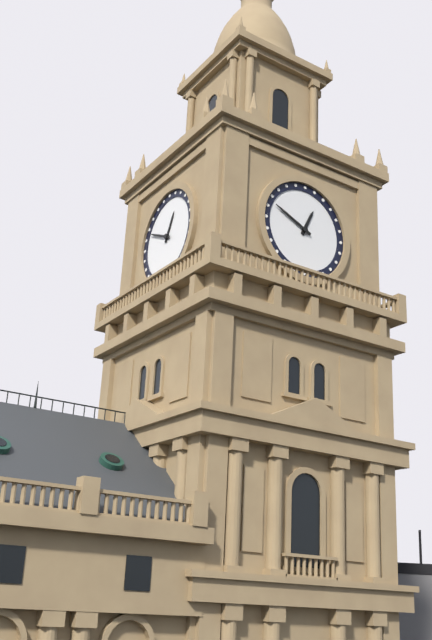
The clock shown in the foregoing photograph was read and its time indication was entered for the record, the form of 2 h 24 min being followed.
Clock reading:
12 h 49 min
